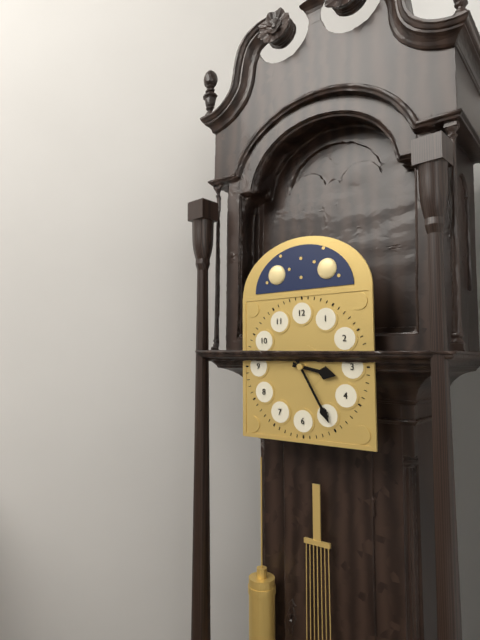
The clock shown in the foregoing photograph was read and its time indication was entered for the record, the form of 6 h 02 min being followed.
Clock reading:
3 h 25 min
